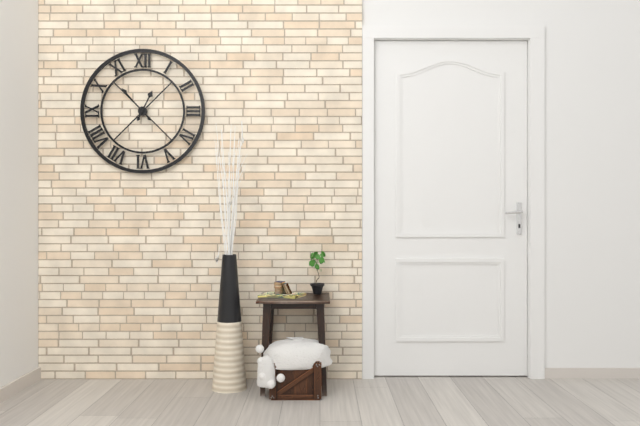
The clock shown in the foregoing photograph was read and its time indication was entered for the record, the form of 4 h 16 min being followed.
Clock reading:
12 h 53 min
